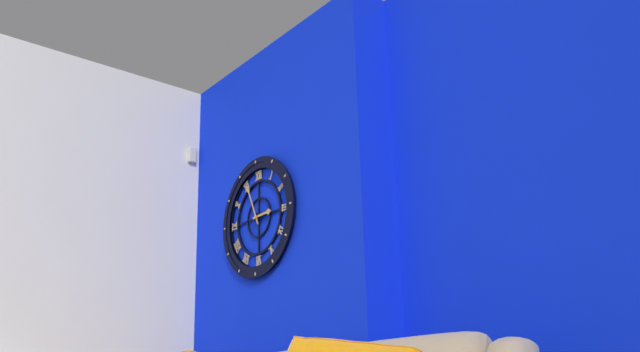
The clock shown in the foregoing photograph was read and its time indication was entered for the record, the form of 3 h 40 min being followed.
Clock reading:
2 h 56 min
